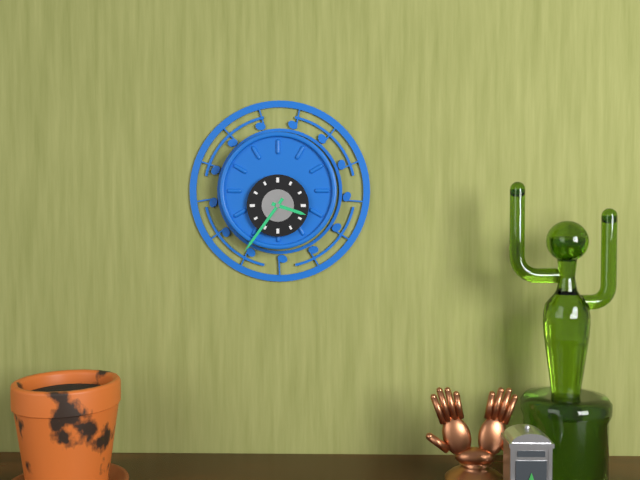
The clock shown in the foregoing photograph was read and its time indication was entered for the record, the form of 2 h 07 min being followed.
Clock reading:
3 h 36 min
